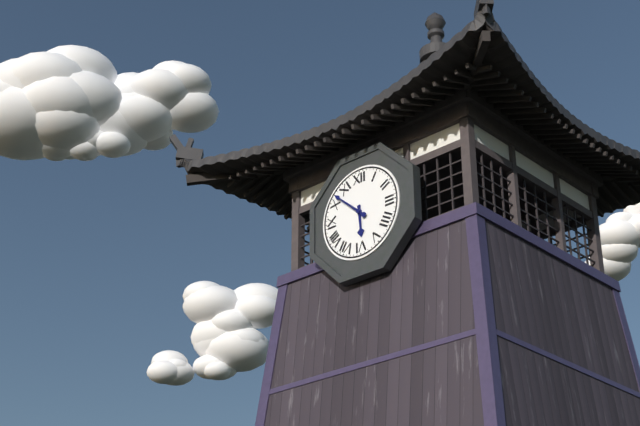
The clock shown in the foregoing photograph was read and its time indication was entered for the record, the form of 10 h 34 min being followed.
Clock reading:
5 h 52 min
